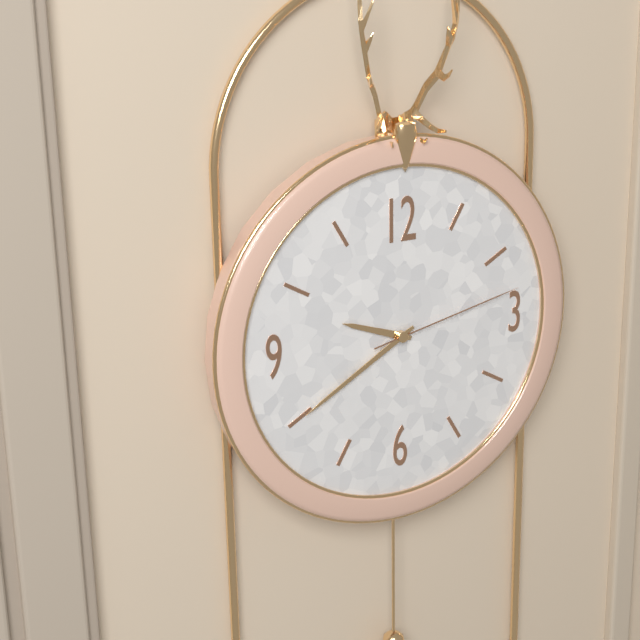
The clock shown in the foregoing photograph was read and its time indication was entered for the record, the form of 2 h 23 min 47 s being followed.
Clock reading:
9 h 40 min 13 s
